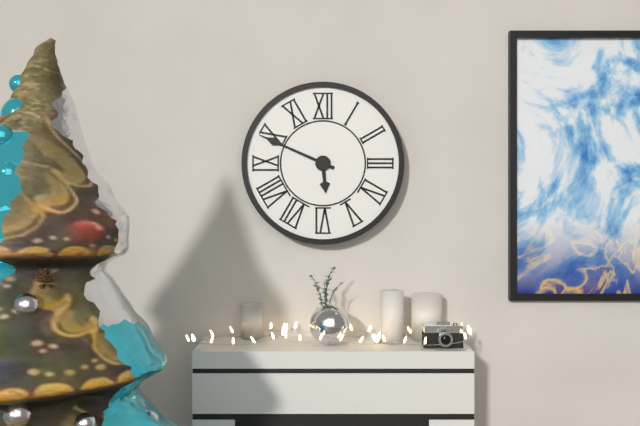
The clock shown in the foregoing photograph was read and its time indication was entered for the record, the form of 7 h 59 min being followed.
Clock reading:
5 h 49 min
